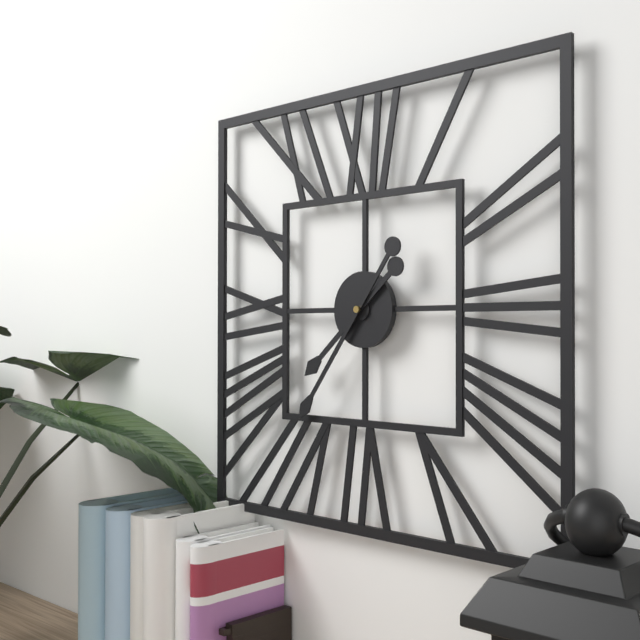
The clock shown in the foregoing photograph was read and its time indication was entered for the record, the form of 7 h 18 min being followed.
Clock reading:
7 h 36 min
